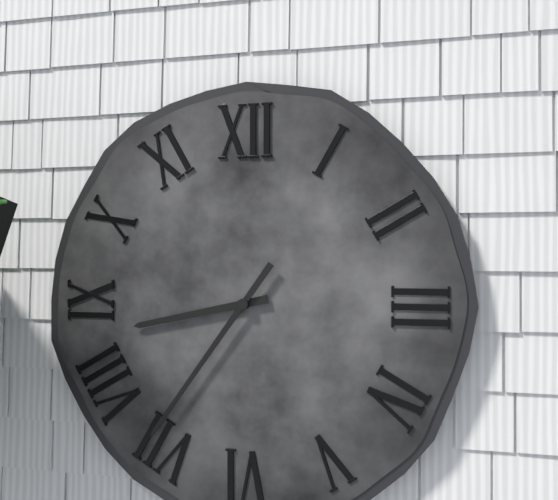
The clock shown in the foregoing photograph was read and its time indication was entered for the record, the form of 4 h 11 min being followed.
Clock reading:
8 h 36 min
